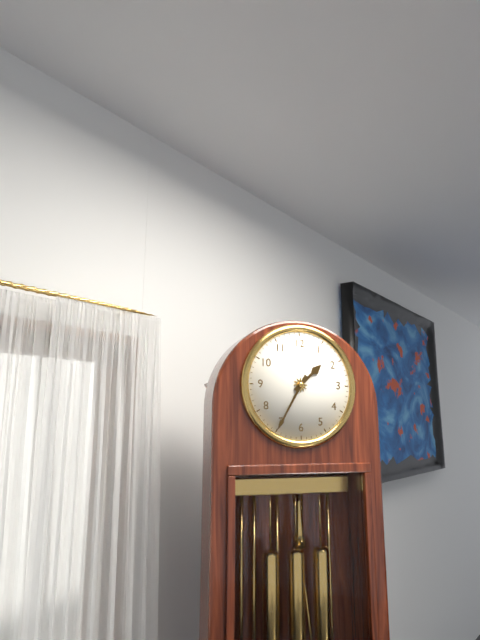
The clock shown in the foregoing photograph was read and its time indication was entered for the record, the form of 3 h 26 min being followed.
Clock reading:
1 h 35 min
